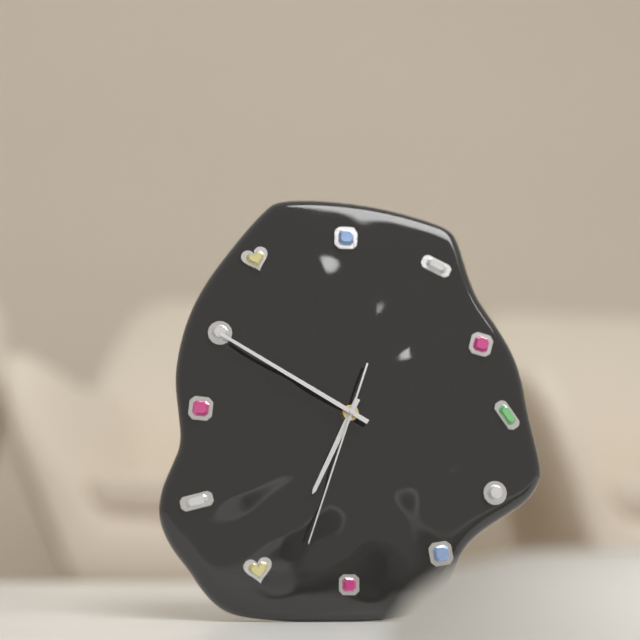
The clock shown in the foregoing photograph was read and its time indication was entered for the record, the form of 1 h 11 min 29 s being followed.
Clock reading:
6 h 50 min 33 s
